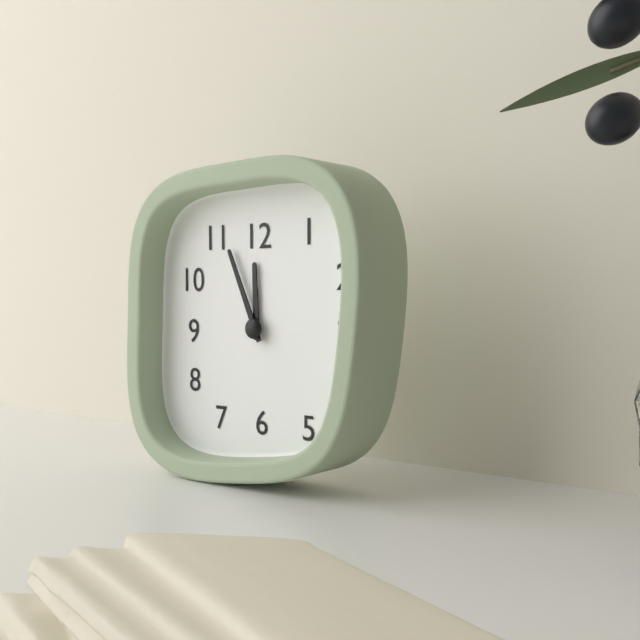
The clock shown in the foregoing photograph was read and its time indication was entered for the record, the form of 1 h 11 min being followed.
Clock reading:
11 h 56 min
